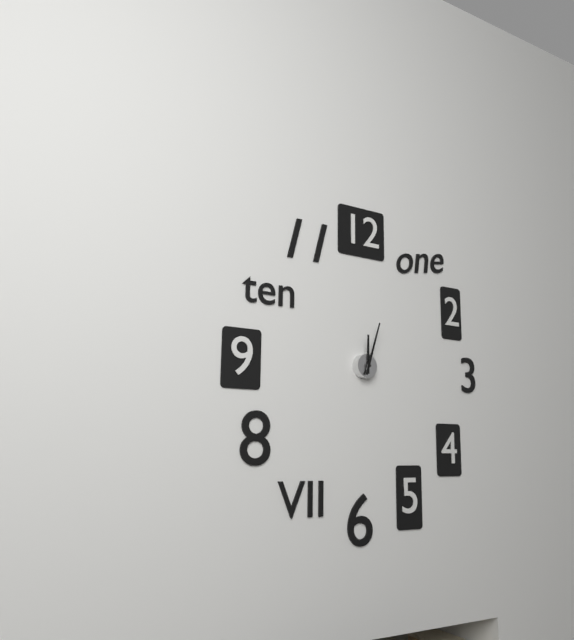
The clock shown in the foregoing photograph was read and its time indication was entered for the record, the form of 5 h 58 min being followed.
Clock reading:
12 h 03 min
